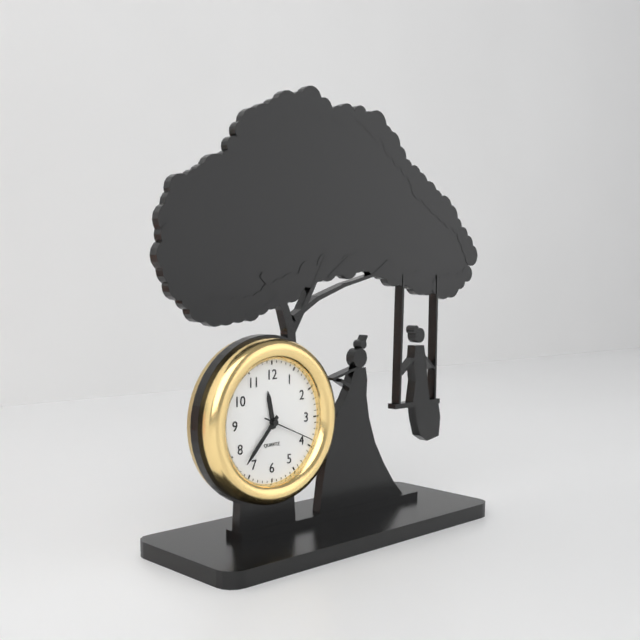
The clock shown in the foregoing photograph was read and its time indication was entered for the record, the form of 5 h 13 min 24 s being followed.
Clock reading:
11 h 37 min 19 s
